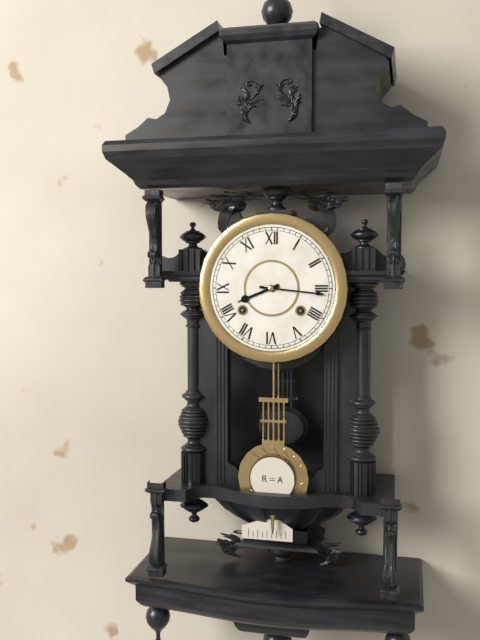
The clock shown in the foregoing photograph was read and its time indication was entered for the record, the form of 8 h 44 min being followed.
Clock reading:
8 h 16 min
